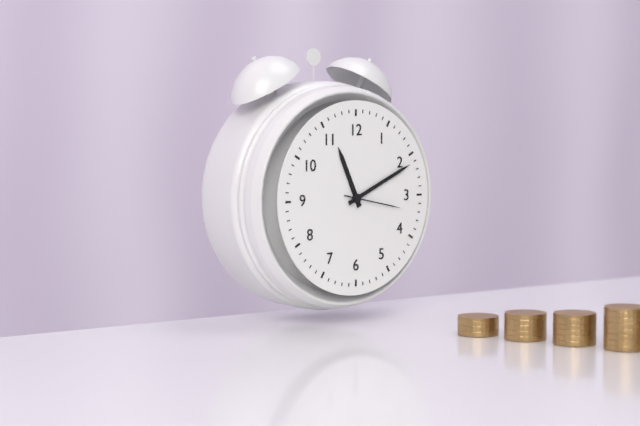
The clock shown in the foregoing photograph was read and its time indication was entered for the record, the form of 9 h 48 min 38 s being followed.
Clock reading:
11 h 11 min 17 s
